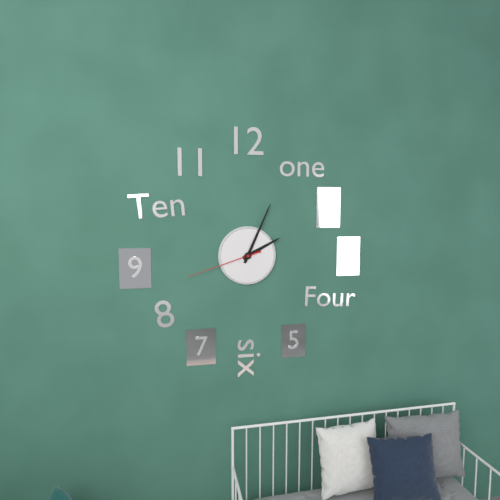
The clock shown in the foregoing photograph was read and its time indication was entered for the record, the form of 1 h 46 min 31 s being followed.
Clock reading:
2 h 04 min 42 s
